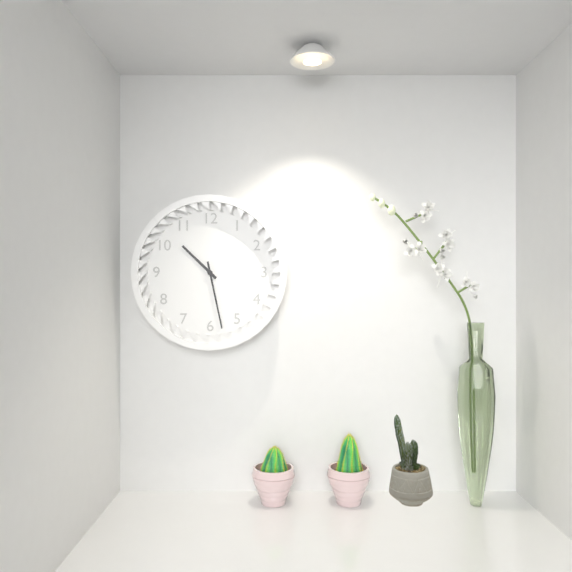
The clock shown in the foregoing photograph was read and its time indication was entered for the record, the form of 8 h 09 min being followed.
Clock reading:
10 h 28 min
